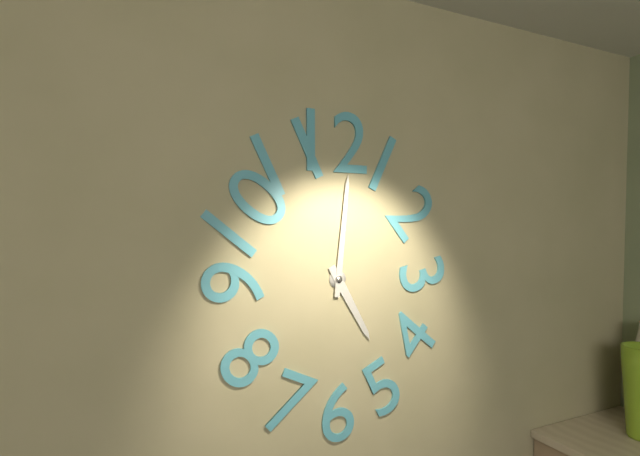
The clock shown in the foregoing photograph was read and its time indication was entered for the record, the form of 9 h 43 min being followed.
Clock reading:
5 h 01 min
